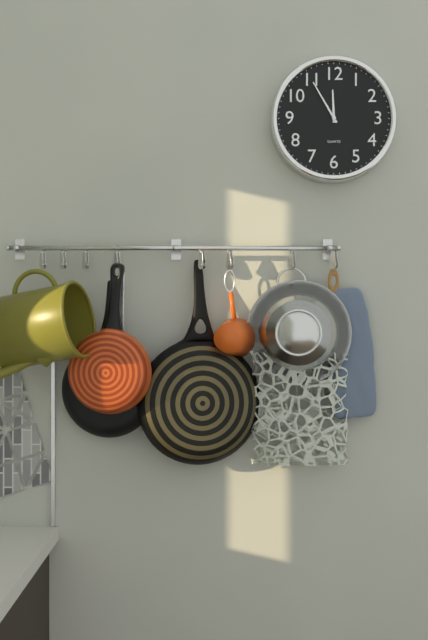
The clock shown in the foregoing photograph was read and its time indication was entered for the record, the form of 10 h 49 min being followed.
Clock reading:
11 h 55 min
